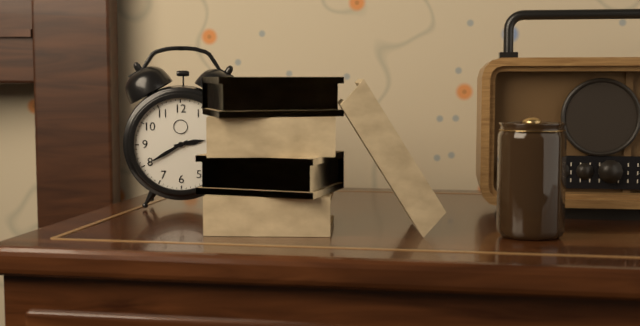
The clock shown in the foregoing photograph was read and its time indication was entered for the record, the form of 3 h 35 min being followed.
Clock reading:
2 h 40 min
